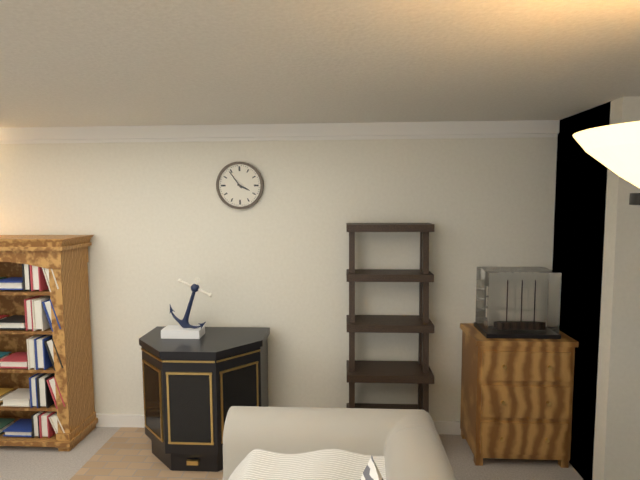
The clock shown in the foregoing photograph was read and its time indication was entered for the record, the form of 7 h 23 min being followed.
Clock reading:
3 h 54 min
